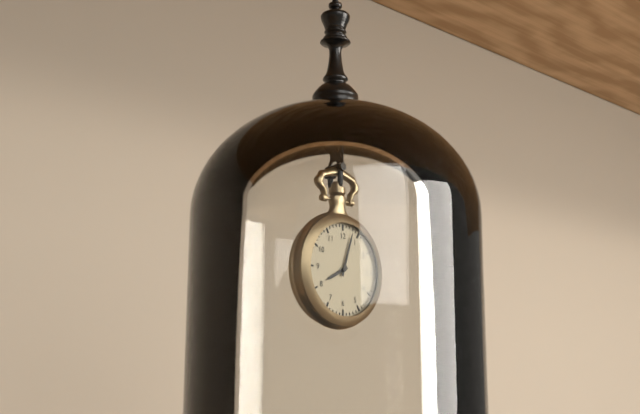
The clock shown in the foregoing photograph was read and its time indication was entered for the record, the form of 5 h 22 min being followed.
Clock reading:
8 h 03 min
